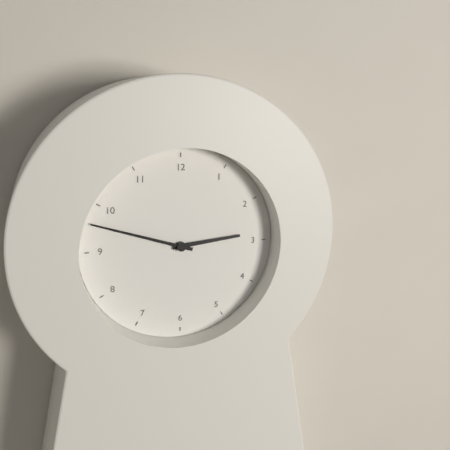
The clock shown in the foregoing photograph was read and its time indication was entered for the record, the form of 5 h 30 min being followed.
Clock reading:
2 h 48 min
